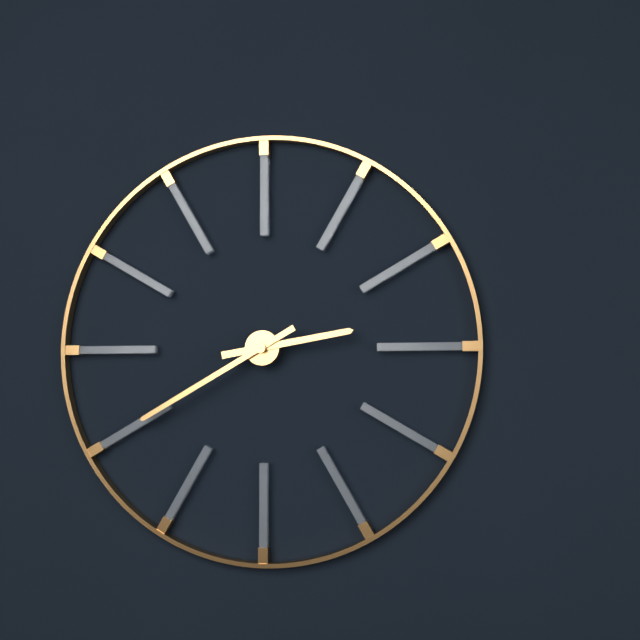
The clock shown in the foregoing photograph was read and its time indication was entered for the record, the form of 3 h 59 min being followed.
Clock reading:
2 h 40 min
